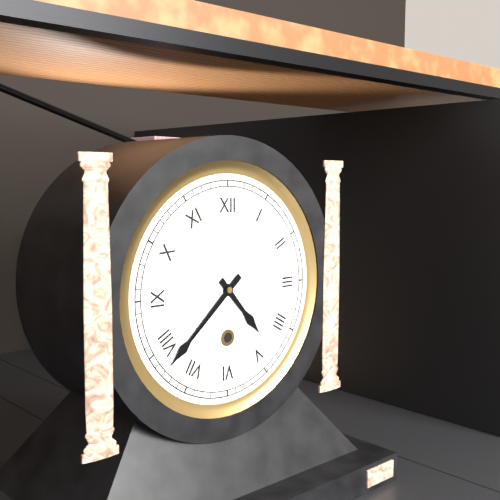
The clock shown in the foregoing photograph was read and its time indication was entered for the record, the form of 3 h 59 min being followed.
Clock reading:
4 h 38 min
